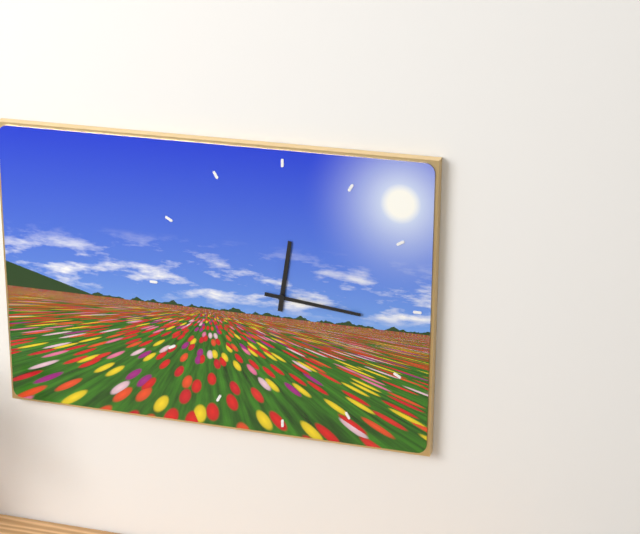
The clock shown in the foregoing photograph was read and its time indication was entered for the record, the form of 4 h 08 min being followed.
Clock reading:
12 h 16 min
